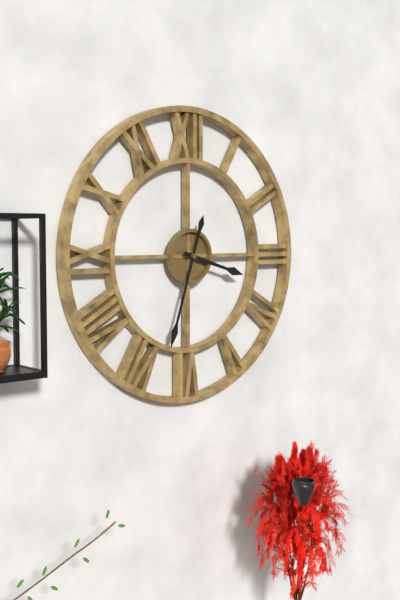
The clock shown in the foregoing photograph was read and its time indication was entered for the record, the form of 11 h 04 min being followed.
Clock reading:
3 h 33 min
